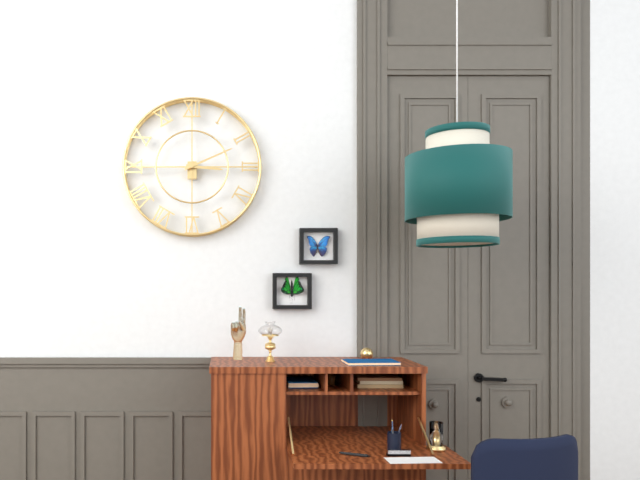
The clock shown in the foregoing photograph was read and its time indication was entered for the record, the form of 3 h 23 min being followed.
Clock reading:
3 h 11 min
